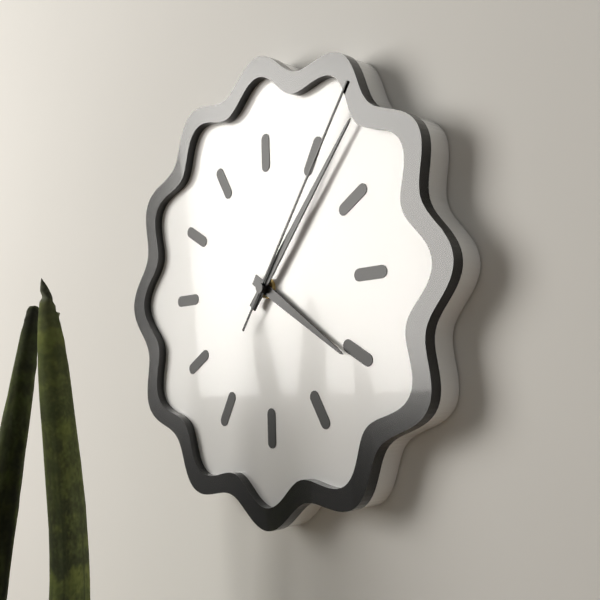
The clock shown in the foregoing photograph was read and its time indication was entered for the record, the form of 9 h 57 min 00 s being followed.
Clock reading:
4 h 07 min 06 s
